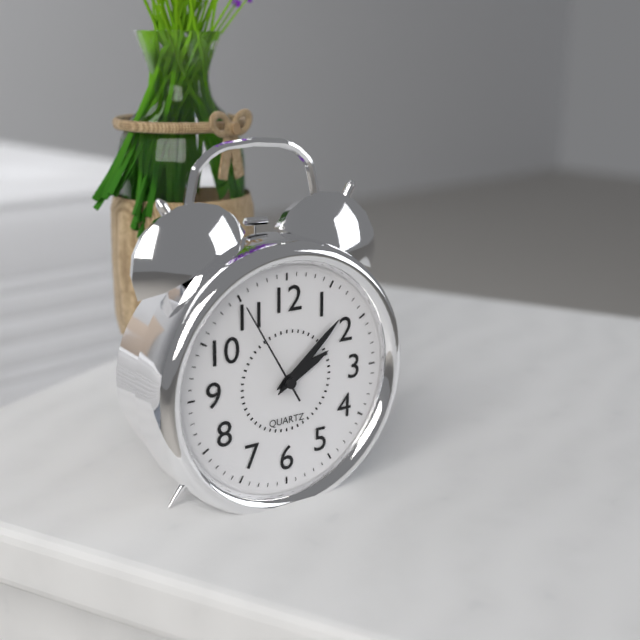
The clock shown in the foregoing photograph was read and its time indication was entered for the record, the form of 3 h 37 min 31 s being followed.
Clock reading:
2 h 08 min 55 s
